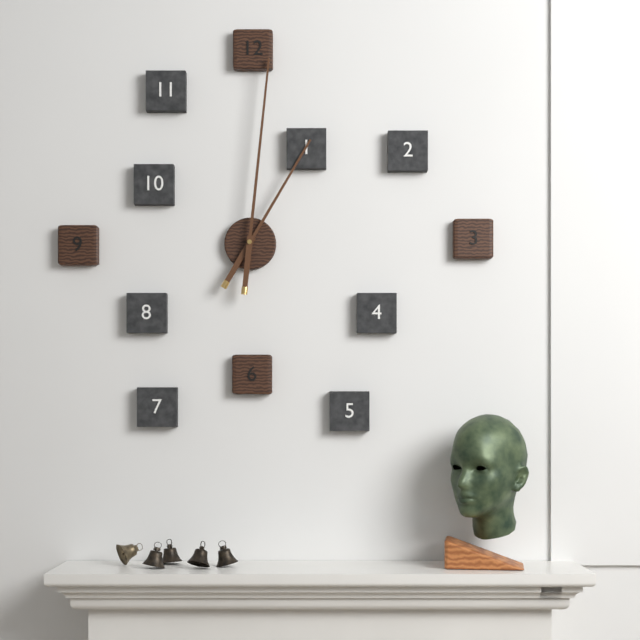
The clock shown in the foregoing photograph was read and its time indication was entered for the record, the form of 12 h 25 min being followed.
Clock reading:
1 h 01 min
